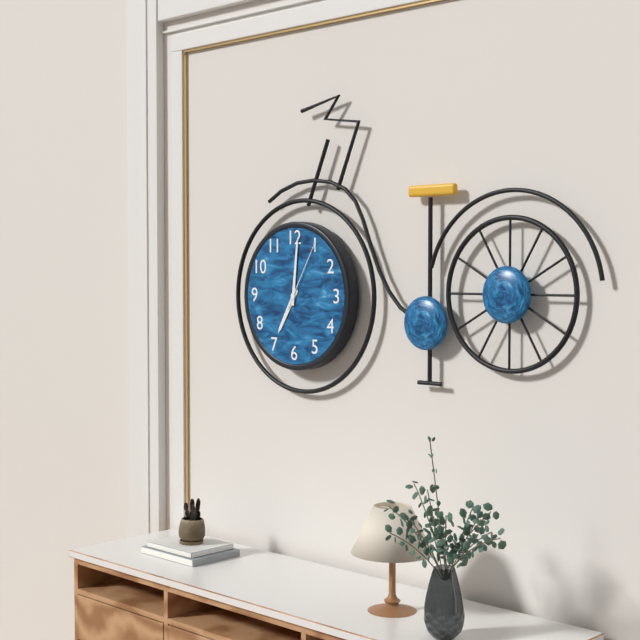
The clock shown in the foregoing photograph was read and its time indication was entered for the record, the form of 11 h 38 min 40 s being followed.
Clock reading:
7 h 01 min 05 s
